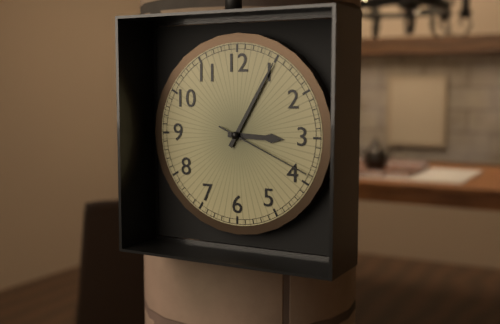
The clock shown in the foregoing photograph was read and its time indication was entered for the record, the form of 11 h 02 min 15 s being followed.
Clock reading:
3 h 05 min 19 s
